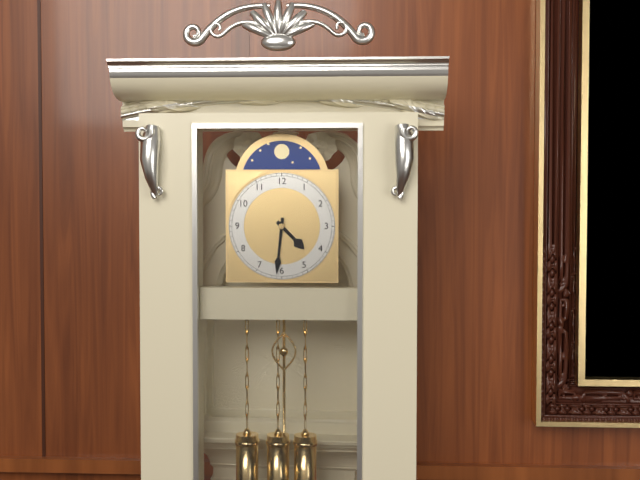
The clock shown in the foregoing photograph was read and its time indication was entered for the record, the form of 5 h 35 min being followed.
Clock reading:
4 h 31 min
